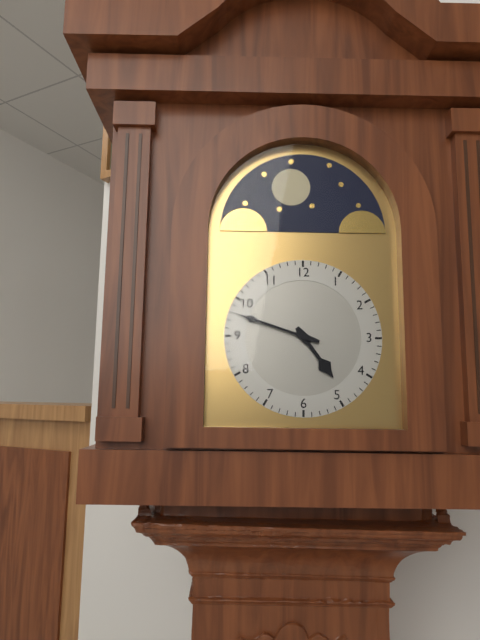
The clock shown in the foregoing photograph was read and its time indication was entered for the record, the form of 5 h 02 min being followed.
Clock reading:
4 h 48 min
